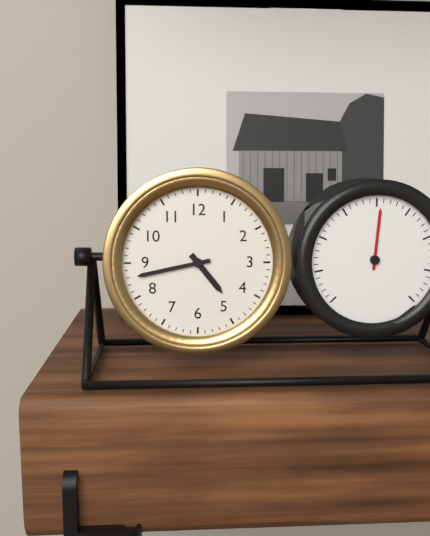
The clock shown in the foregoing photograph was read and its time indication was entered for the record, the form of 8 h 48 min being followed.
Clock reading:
4 h 43 min
